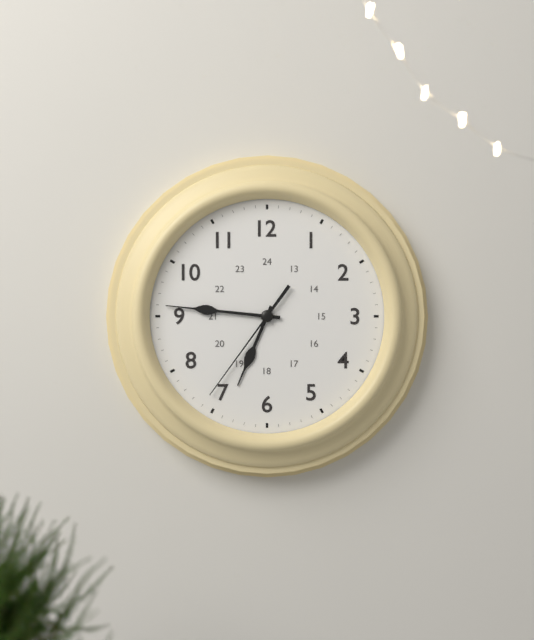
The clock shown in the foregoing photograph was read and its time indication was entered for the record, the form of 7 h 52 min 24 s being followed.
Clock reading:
6 h 46 min 36 s
